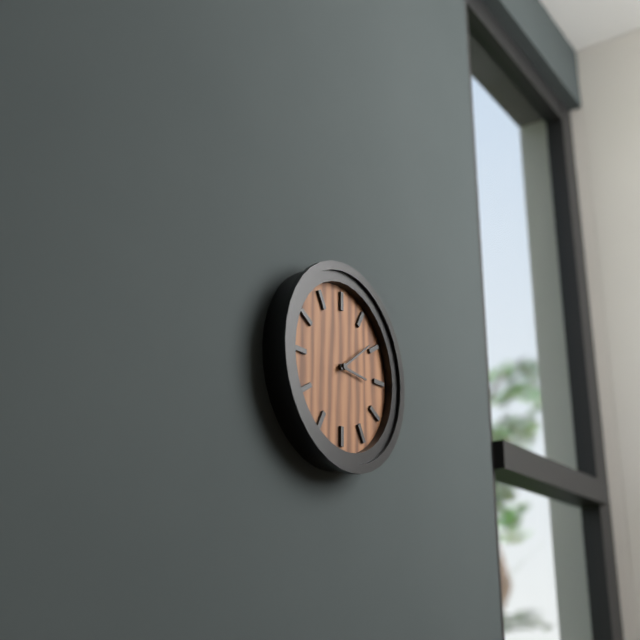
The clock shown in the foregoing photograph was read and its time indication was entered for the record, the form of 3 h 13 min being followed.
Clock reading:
3 h 09 min
